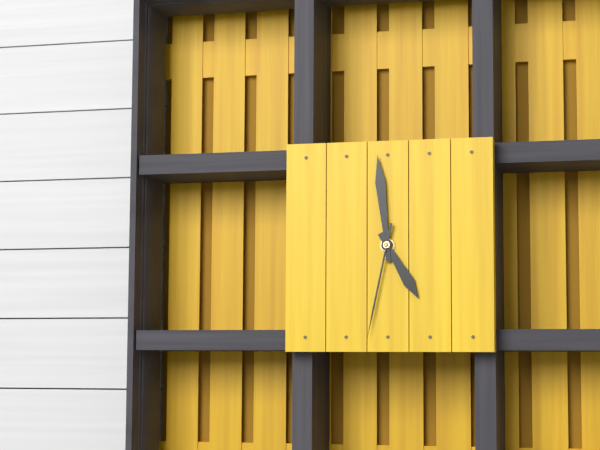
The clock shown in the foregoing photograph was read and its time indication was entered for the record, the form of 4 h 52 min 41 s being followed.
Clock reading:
4 h 59 min 32 s
